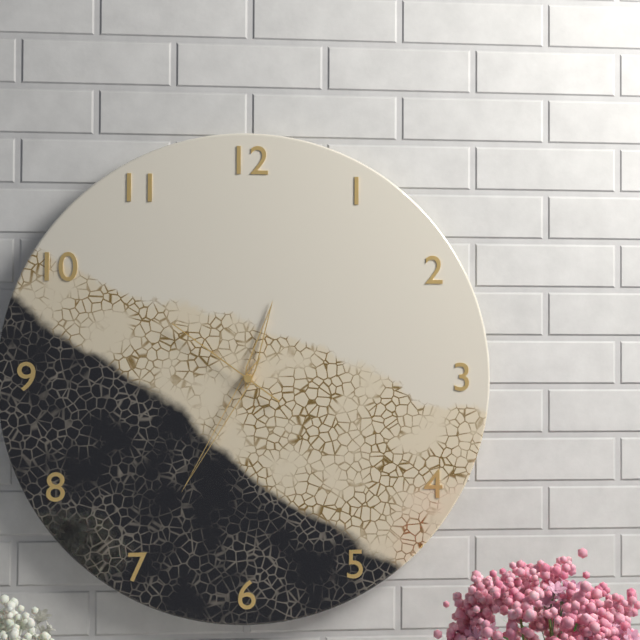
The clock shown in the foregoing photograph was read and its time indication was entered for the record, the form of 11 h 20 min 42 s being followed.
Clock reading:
12 h 35 min 51 s
